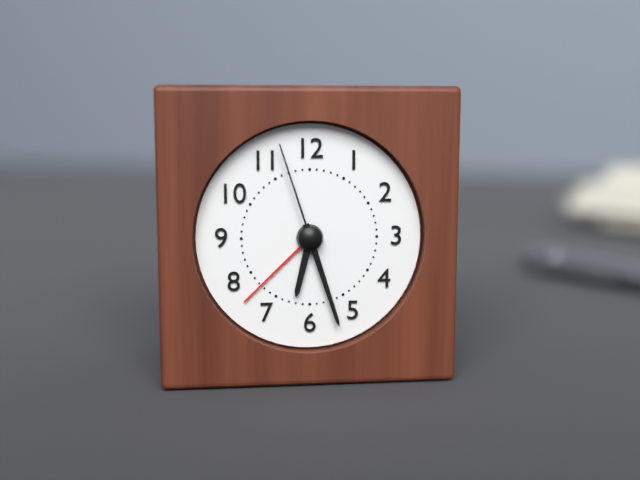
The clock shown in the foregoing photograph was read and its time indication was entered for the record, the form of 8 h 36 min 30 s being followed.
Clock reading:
6 h 27 min 57 s
